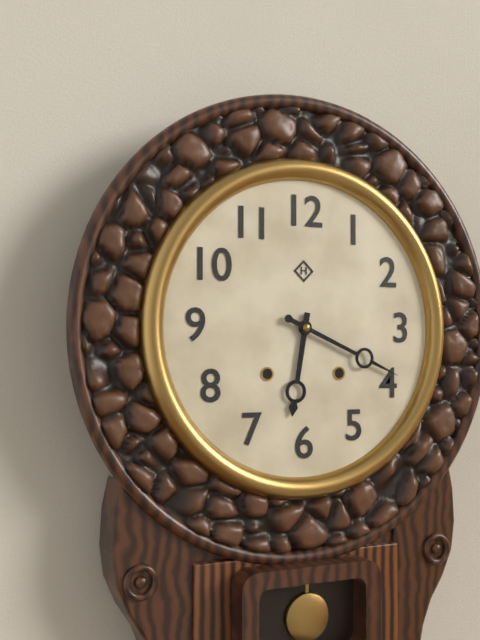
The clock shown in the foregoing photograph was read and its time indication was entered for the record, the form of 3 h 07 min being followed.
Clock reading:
6 h 19 min
